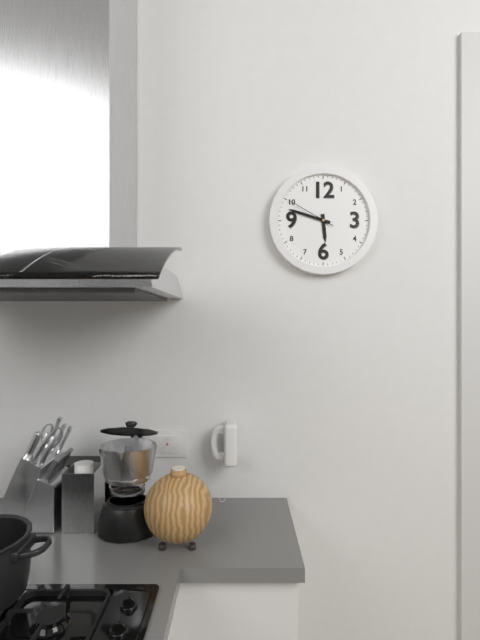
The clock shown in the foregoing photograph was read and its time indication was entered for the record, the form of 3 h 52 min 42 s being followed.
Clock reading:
5 h 48 min 50 s
